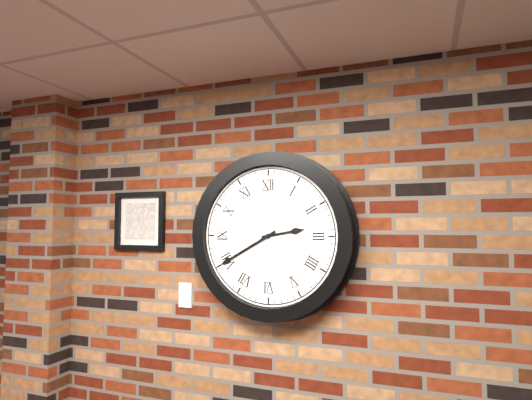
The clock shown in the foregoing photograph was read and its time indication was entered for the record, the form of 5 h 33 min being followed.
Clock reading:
2 h 40 min
